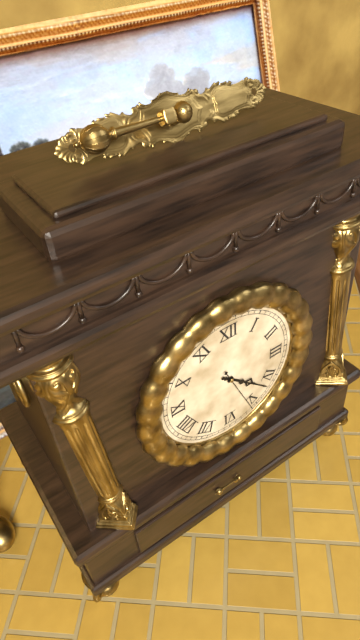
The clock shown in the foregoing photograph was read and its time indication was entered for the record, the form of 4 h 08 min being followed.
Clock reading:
4 h 22 min
